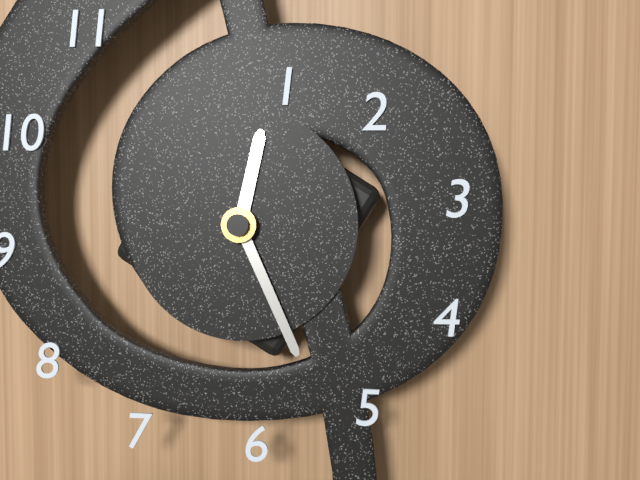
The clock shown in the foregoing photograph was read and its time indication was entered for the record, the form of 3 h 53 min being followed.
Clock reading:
12 h 26 min
